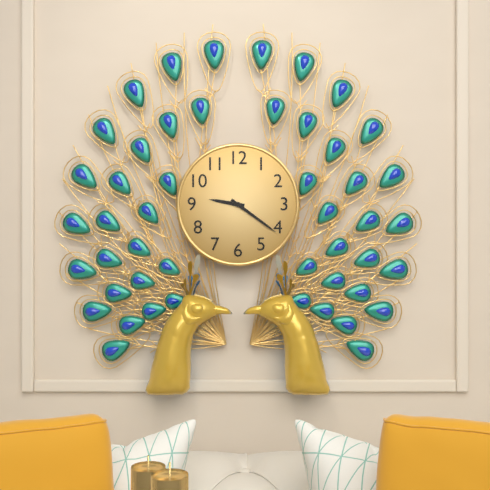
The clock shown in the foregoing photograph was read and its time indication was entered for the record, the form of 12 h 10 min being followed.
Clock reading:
9 h 21 min
